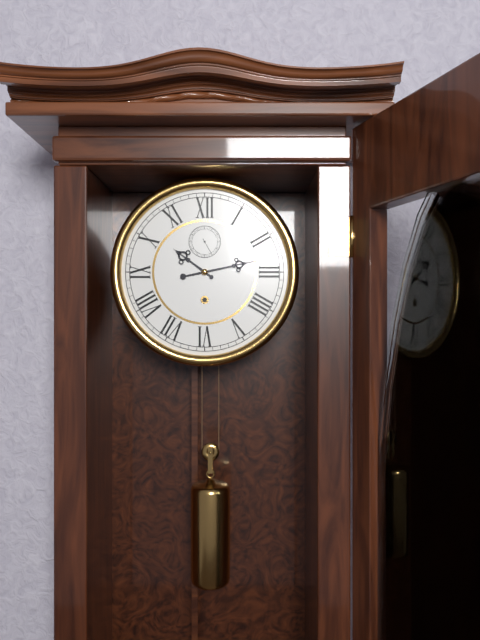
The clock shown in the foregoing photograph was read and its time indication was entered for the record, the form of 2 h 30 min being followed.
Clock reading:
10 h 13 min
